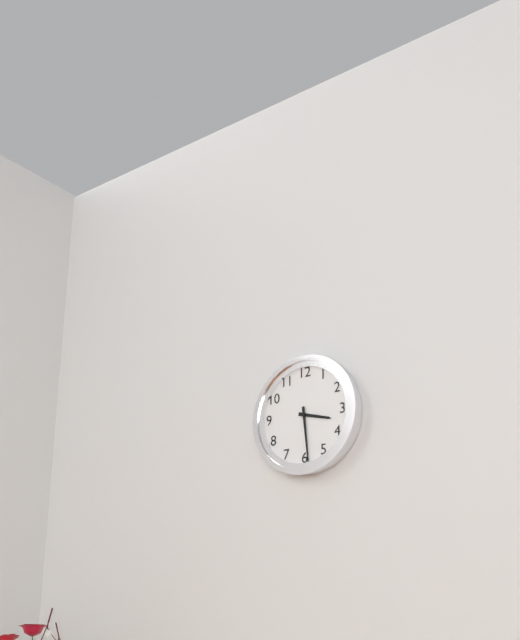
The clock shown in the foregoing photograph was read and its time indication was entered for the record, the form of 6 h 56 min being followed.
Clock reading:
3 h 29 min
